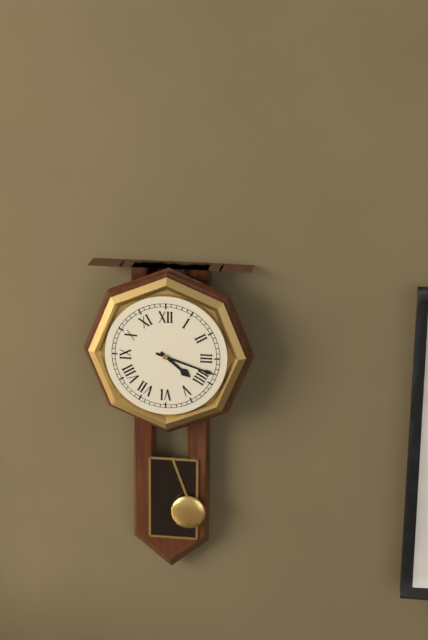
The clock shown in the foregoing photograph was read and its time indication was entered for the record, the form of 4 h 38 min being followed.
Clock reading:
4 h 18 min
